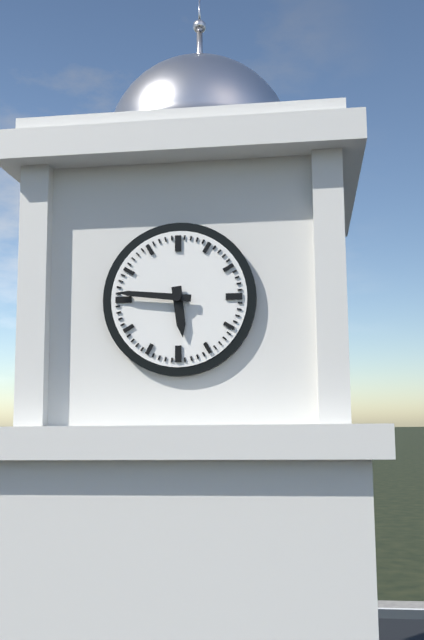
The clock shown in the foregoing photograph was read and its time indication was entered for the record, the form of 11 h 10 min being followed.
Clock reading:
5 h 46 min
